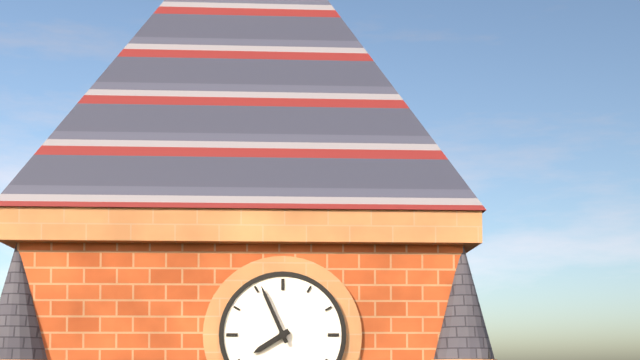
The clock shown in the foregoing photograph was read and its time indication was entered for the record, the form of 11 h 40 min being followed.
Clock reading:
7 h 56 min
